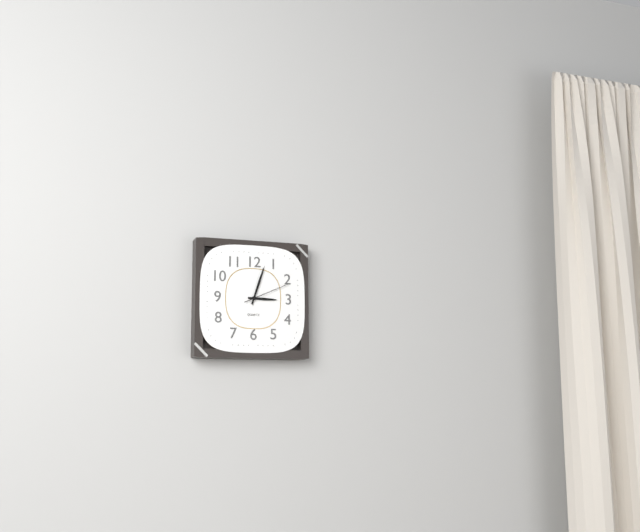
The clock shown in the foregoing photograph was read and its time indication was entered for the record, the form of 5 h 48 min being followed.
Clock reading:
3 h 03 min
